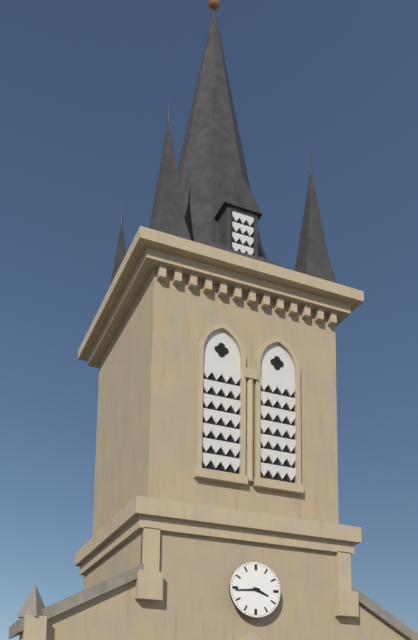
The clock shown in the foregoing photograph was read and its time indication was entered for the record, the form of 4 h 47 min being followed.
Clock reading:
3 h 44 min
